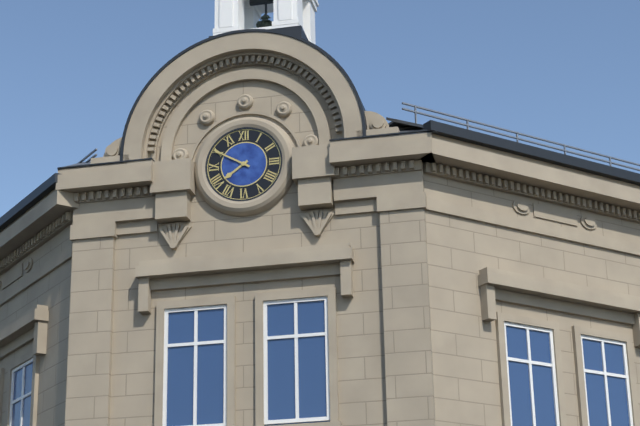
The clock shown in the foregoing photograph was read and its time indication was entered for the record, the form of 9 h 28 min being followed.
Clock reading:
7 h 50 min
